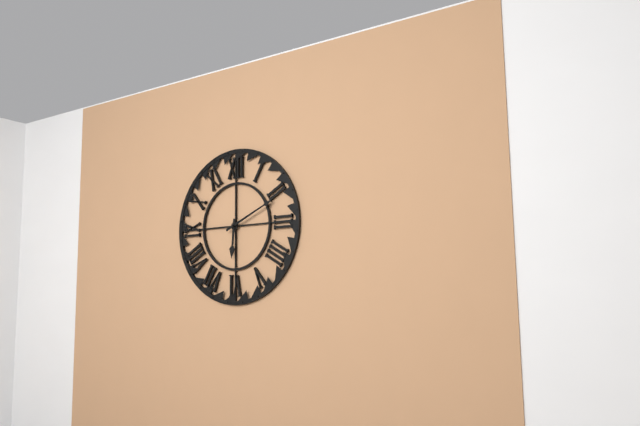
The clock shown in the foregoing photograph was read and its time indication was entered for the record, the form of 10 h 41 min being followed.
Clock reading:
6 h 11 min
